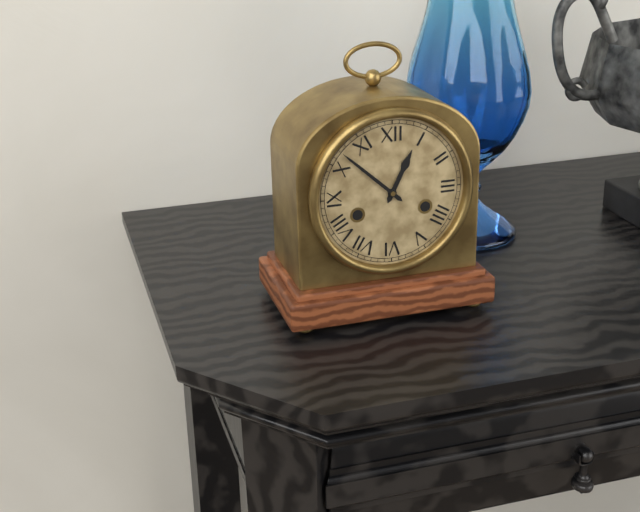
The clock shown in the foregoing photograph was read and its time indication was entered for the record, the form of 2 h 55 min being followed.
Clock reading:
12 h 52 min
